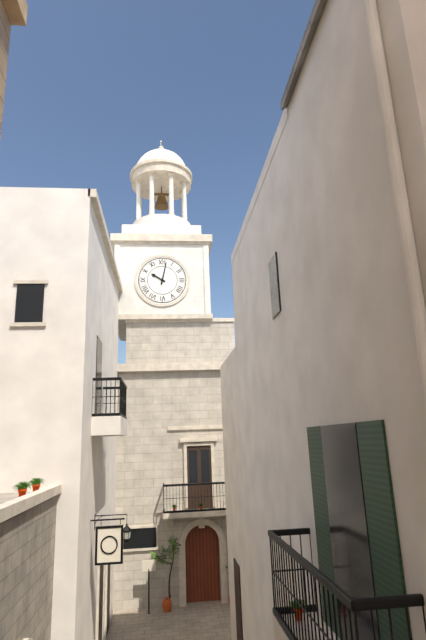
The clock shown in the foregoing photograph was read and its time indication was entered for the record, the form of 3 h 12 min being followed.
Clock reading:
10 h 02 min
